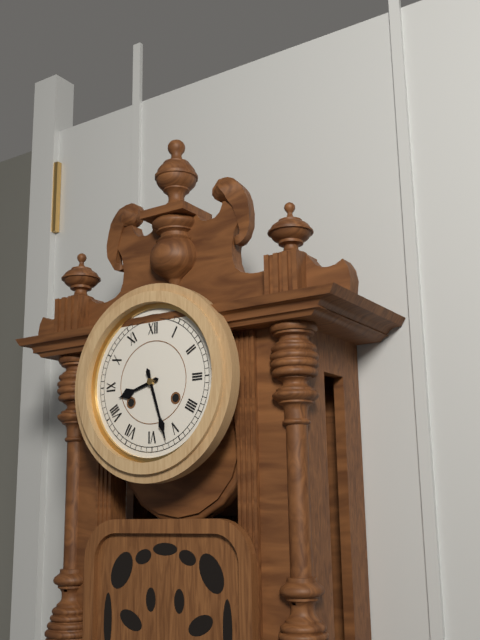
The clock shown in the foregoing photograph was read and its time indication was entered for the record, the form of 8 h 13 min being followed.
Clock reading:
8 h 27 min
